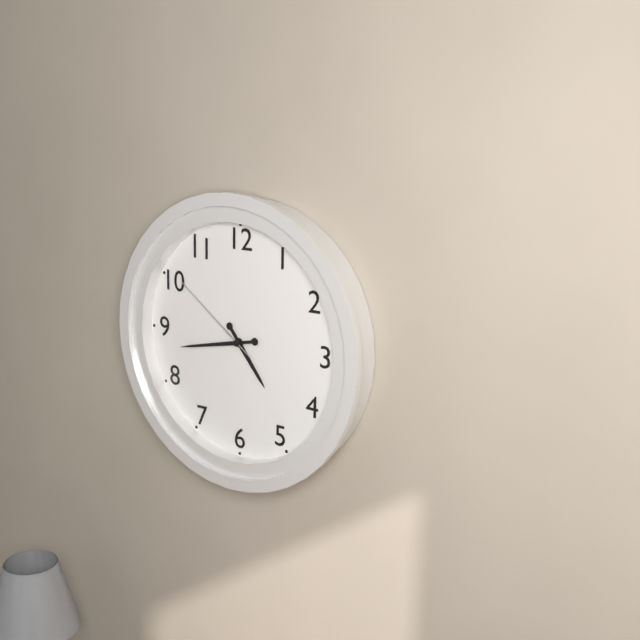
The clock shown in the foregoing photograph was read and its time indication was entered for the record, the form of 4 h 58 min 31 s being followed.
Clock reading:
4 h 43 min 51 s
